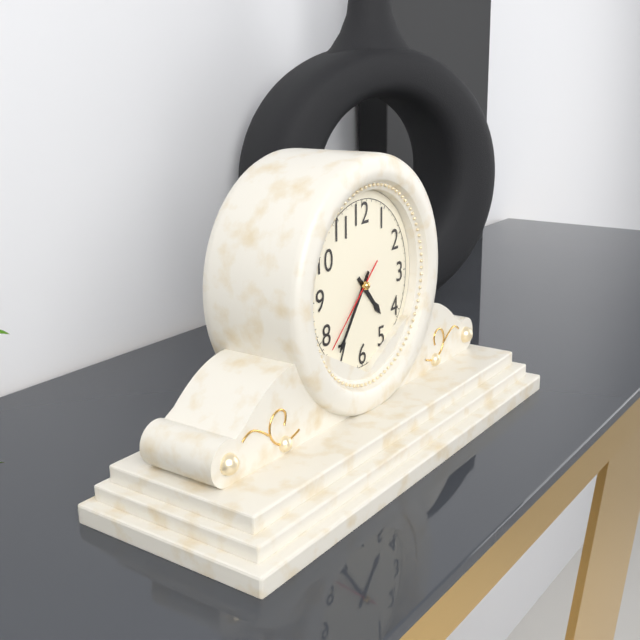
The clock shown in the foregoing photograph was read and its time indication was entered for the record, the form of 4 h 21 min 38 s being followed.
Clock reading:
4 h 36 min 38 s
